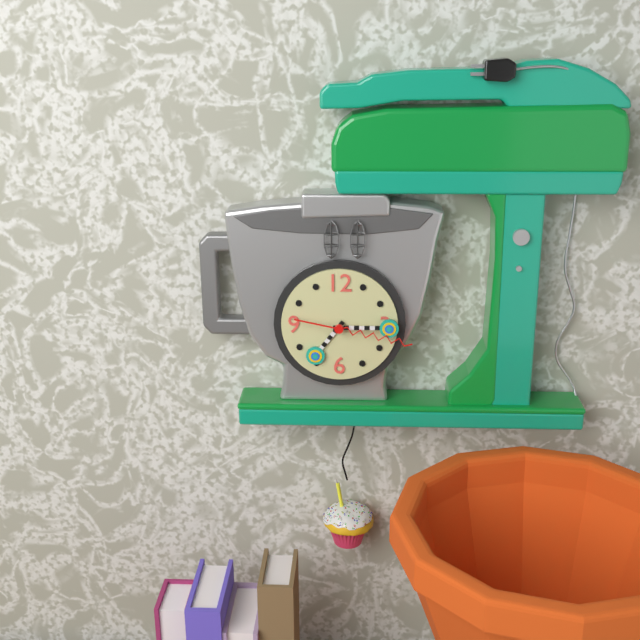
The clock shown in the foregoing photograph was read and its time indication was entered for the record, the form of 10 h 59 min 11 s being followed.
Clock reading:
7 h 15 min 17 s
